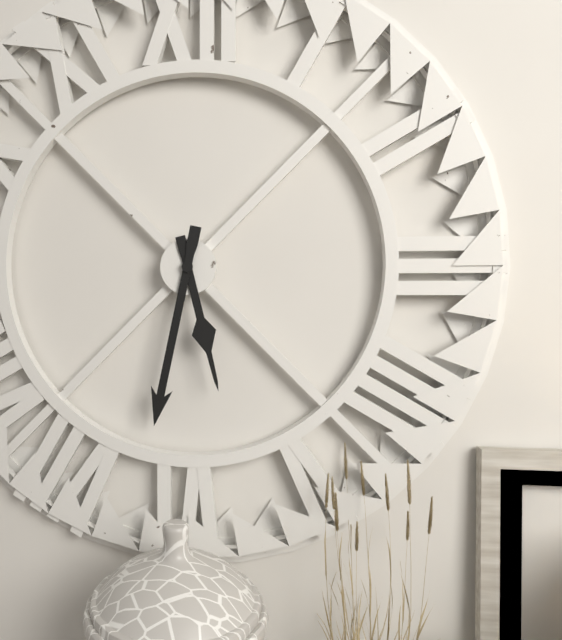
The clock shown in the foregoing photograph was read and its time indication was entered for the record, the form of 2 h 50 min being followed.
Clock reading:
5 h 32 min
